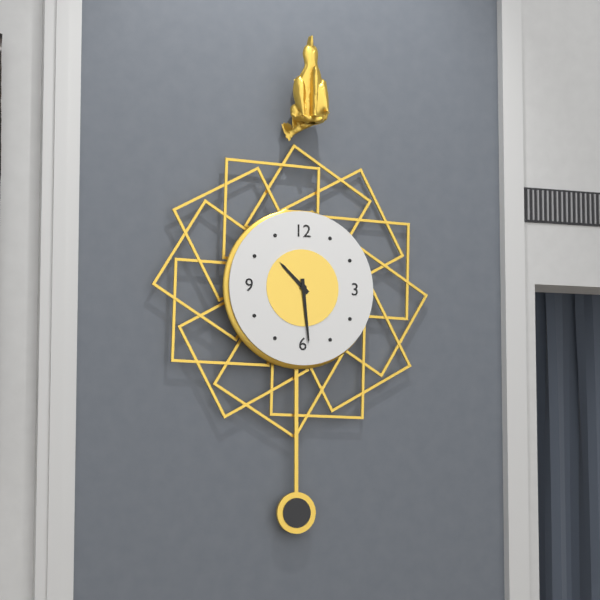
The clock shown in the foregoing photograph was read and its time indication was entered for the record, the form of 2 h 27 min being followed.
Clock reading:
10 h 29 min
